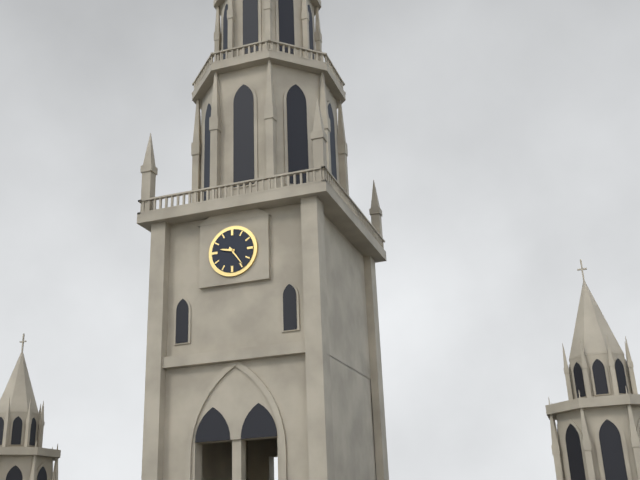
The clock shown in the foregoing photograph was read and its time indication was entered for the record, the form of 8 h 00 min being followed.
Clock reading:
9 h 24 min
